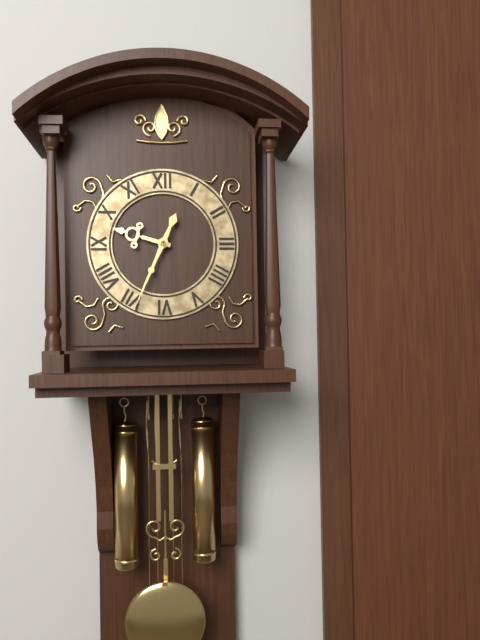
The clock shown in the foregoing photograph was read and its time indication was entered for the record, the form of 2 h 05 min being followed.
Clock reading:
9 h 34 min
